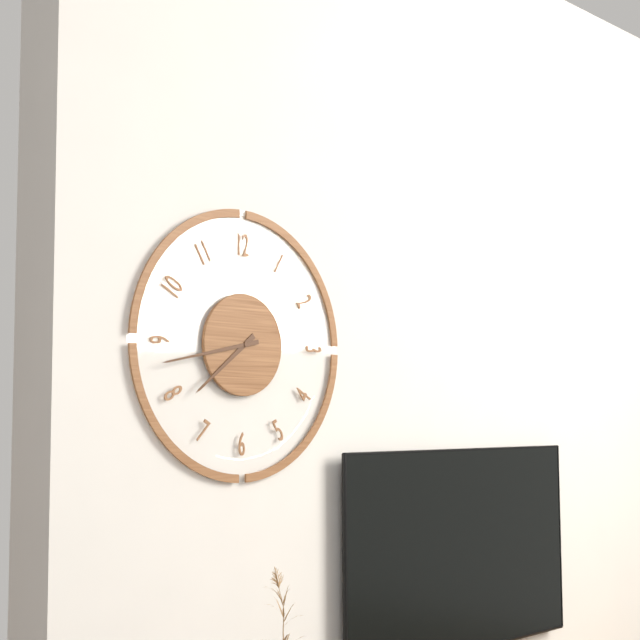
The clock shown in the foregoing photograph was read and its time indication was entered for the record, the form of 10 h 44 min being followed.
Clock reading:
7 h 43 min
